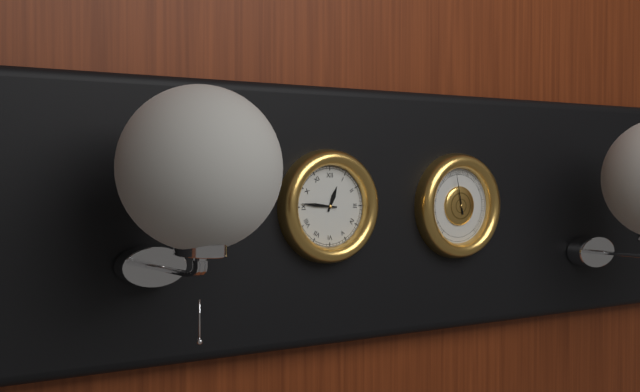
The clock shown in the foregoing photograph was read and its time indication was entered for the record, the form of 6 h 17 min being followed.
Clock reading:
12 h 46 min
